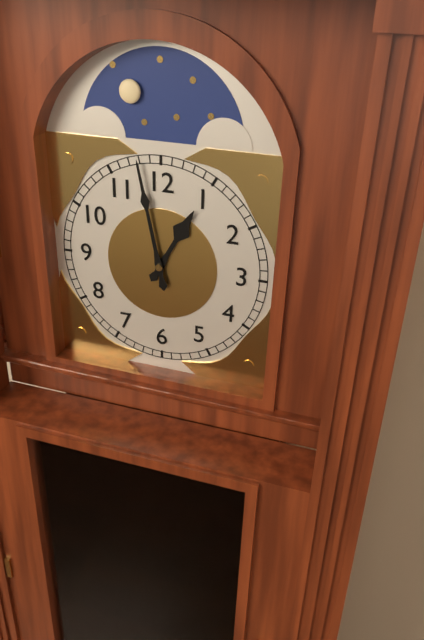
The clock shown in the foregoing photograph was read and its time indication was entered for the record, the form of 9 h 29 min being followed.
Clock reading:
12 h 58 min
